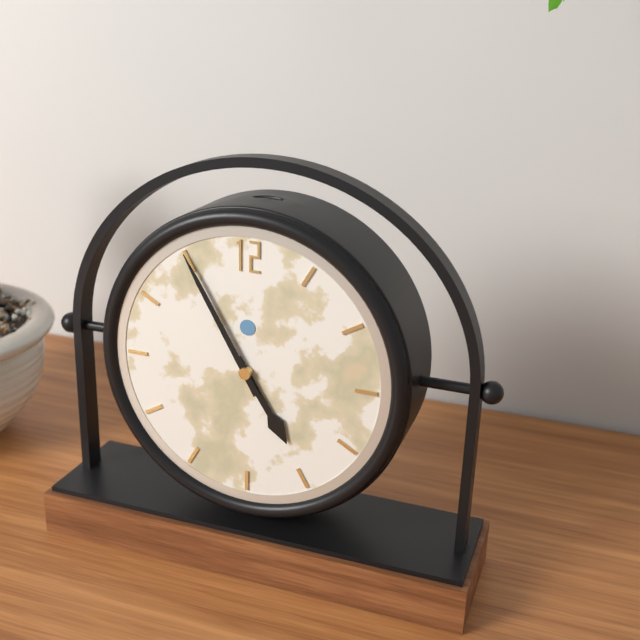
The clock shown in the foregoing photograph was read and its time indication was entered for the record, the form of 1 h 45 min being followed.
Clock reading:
4 h 55 min
